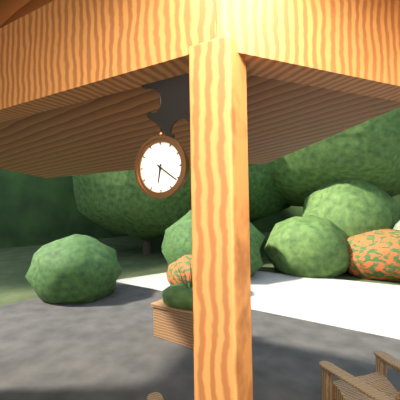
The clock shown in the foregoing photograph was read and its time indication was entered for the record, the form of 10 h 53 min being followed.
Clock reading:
6 h 21 min
